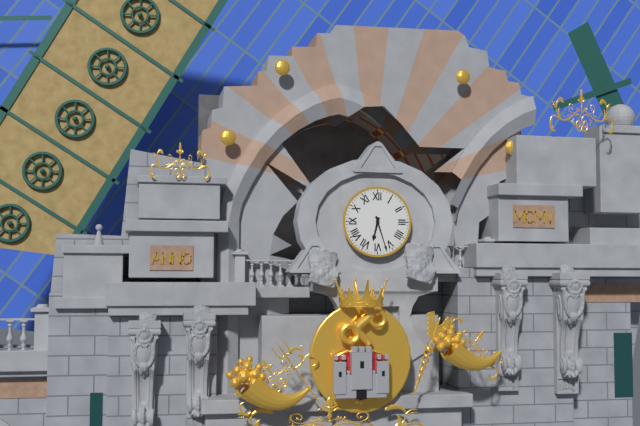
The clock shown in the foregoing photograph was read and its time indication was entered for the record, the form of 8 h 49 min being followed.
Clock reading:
6 h 27 min
